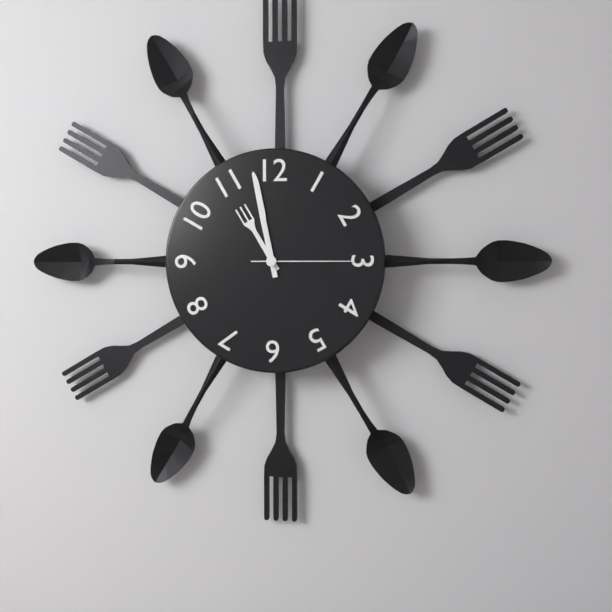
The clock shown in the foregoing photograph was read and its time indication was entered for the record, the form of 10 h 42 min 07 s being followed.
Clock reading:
10 h 58 min 15 s
